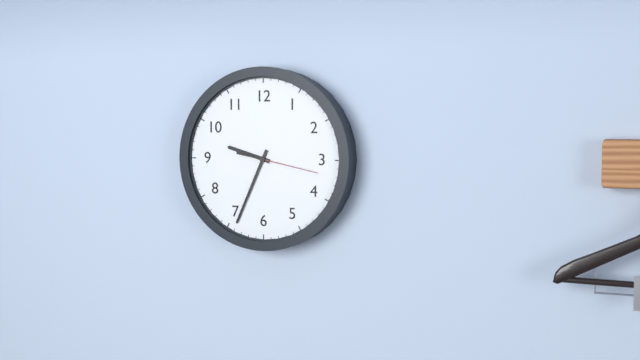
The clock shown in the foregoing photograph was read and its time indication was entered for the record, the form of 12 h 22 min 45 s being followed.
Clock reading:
9 h 34 min 17 s
